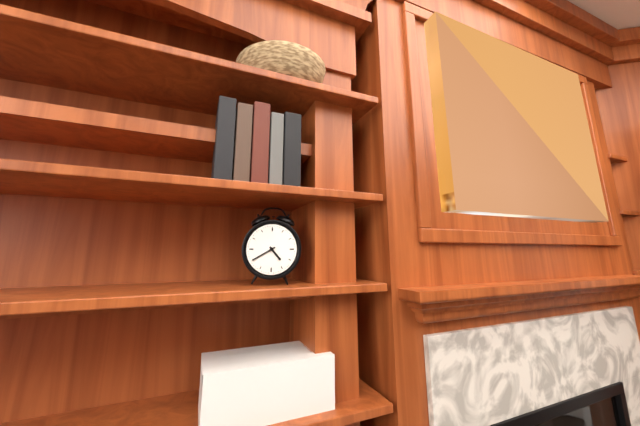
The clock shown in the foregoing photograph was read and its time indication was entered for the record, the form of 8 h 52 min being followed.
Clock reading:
4 h 40 min
